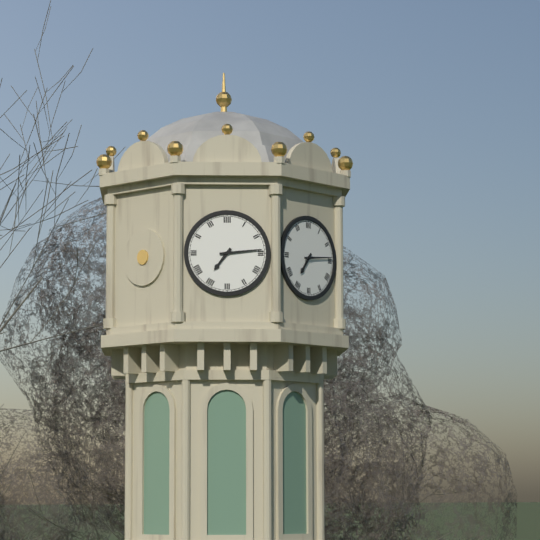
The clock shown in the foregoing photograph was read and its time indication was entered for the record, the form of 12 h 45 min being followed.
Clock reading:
7 h 14 min
